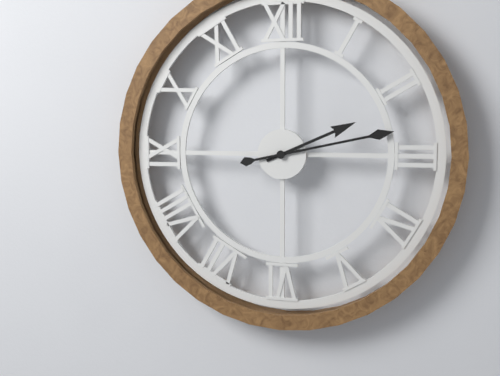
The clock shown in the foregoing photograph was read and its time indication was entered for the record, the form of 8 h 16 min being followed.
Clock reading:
2 h 13 min
